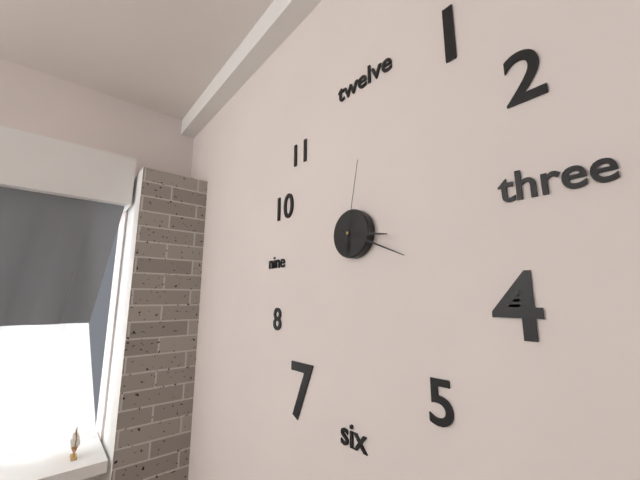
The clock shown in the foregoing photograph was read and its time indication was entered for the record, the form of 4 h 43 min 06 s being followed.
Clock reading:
3 h 19 min 02 s
